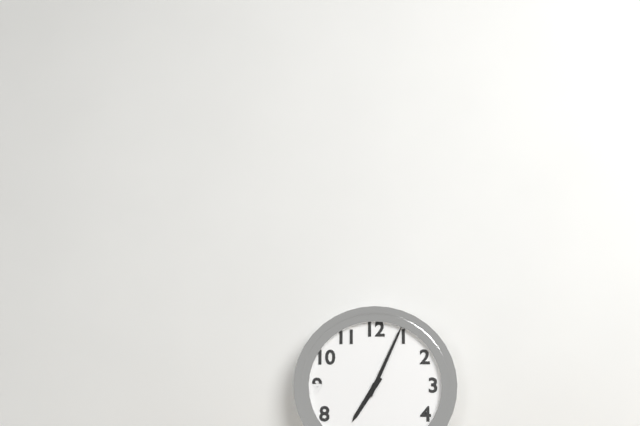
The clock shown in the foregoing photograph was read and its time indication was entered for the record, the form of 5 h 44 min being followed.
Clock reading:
7 h 04 min
